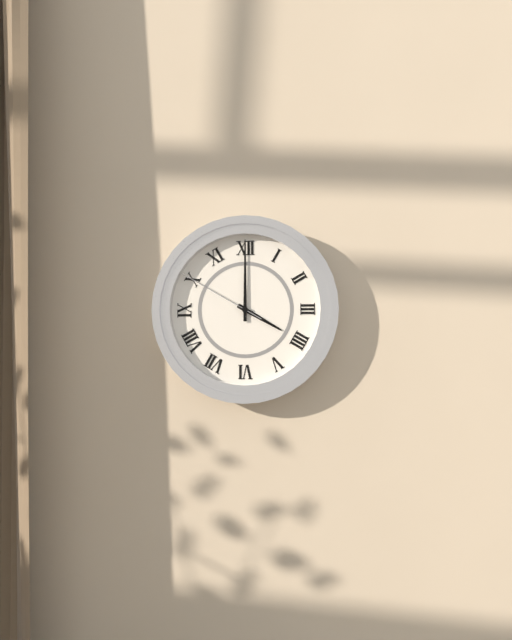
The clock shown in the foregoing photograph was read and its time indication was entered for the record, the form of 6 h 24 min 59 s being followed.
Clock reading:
4 h 00 min 50 s
